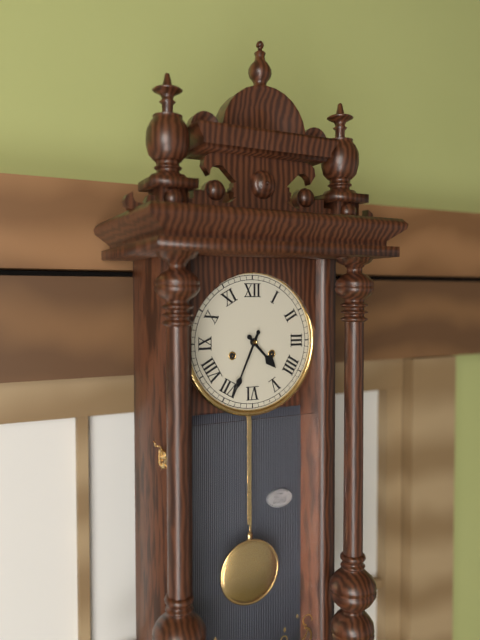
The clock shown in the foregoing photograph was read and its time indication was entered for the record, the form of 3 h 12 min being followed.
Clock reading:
4 h 34 min
